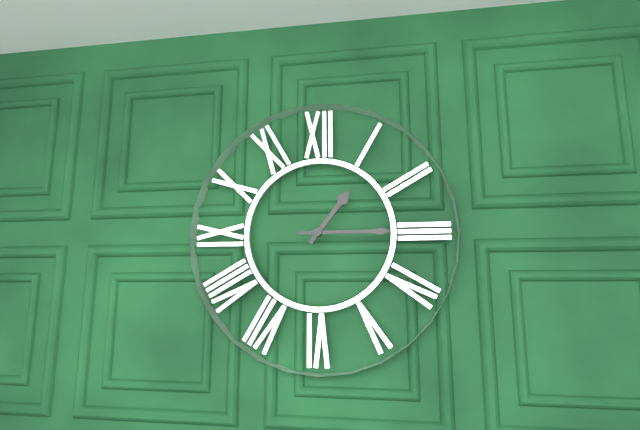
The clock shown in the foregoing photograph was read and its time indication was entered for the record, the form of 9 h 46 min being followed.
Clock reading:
1 h 15 min
